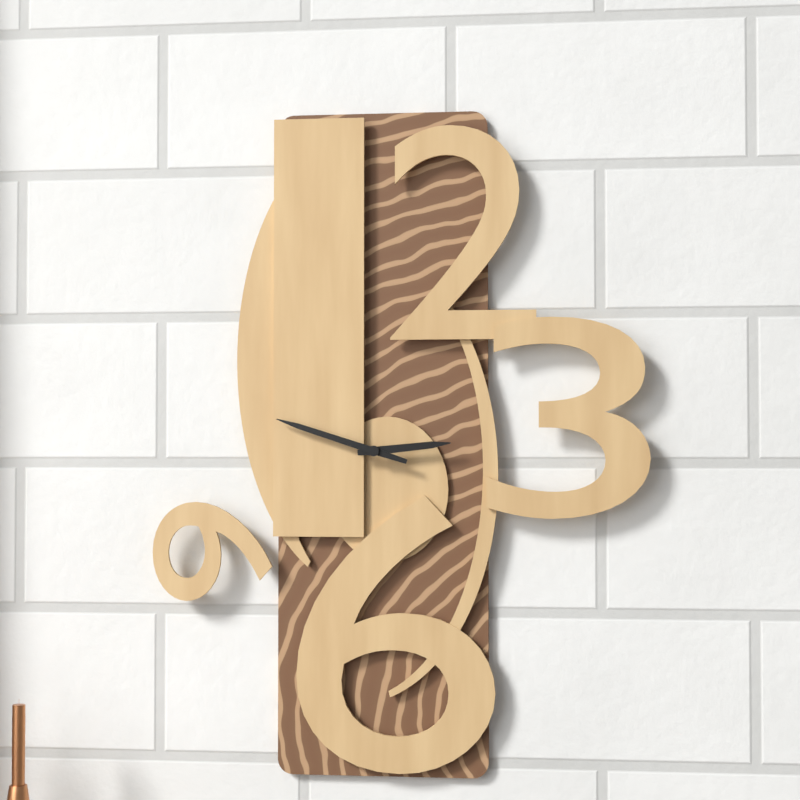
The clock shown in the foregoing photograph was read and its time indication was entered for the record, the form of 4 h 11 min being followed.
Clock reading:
2 h 48 min
